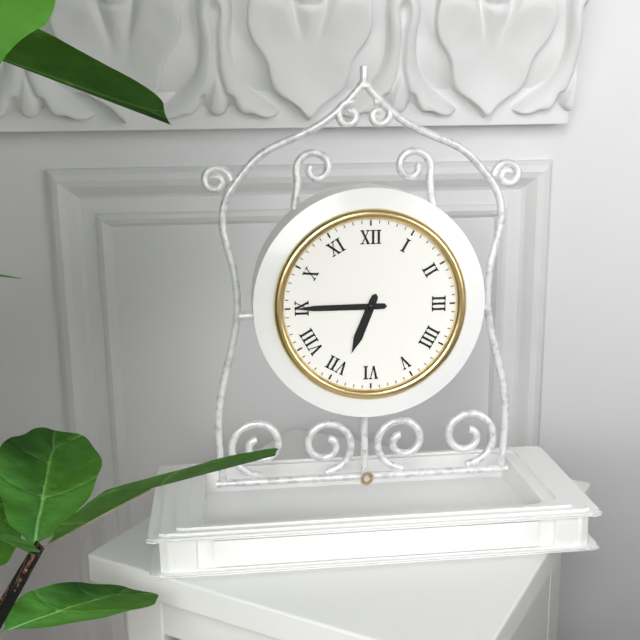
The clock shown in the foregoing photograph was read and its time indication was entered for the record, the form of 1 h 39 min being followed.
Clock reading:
6 h 45 min
